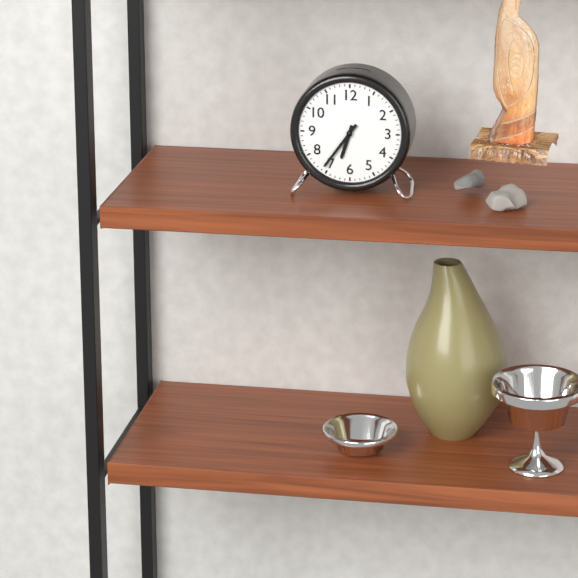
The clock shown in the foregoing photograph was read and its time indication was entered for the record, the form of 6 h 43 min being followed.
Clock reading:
6 h 36 min
